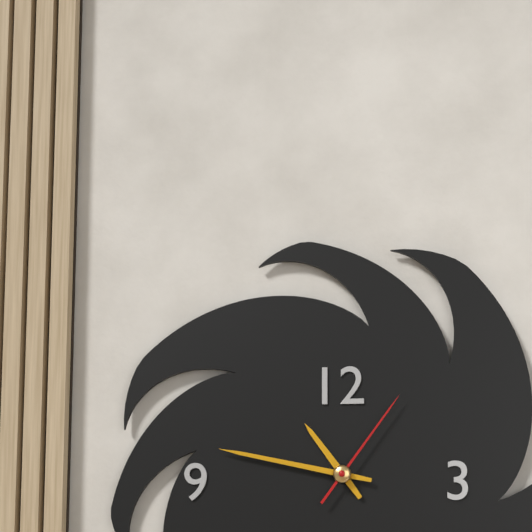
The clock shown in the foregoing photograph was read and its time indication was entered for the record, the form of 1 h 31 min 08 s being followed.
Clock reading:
10 h 47 min 06 s
